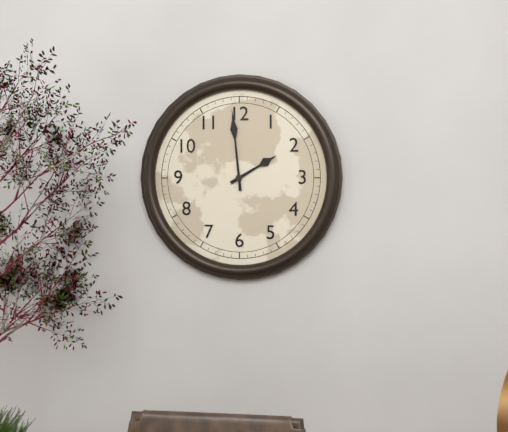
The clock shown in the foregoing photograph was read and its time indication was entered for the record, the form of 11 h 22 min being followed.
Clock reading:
1 h 59 min
